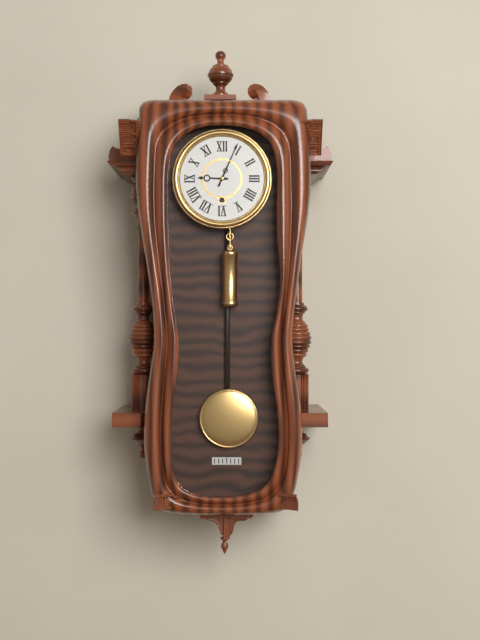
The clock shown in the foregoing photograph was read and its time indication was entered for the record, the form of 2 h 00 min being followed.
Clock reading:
9 h 04 min
